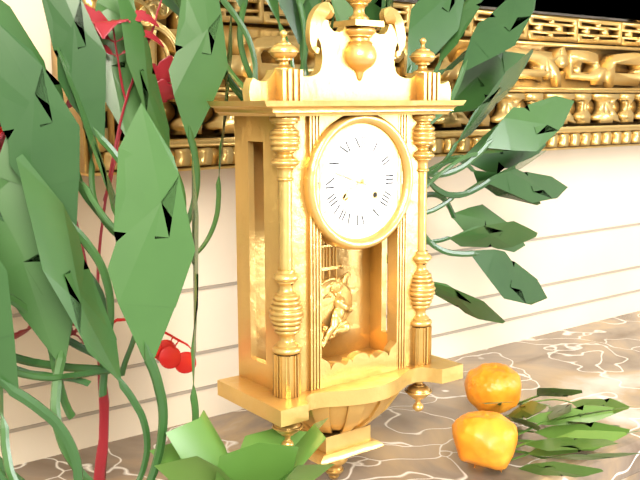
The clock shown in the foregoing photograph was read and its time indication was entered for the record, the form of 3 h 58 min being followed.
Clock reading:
7 h 48 min
